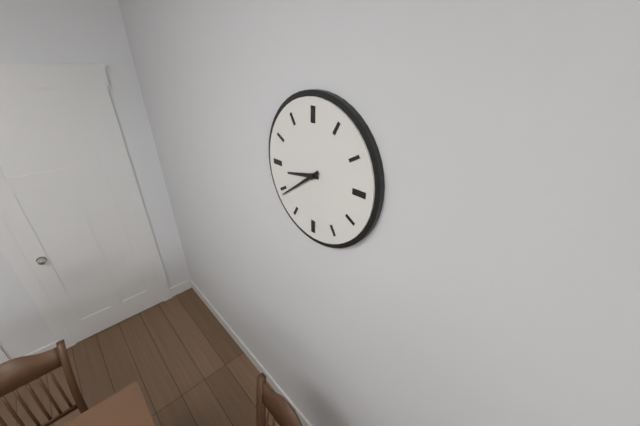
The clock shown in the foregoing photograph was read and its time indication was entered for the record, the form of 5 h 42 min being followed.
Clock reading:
8 h 39 min
